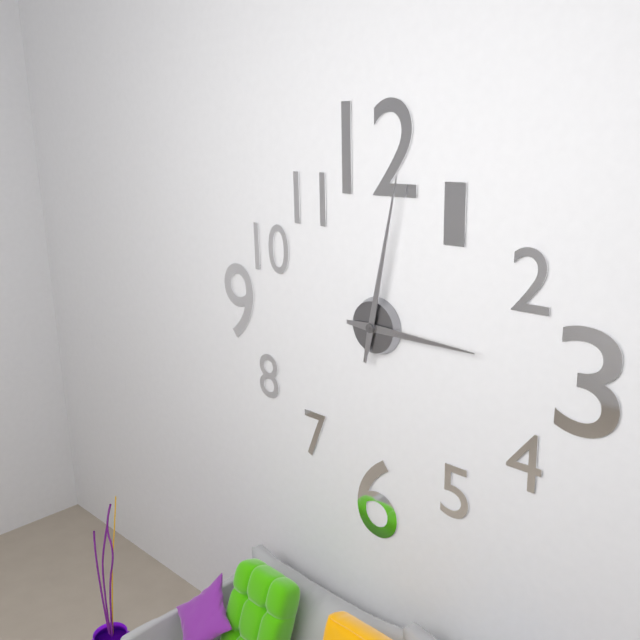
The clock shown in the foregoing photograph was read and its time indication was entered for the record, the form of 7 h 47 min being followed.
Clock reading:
3 h 02 min
